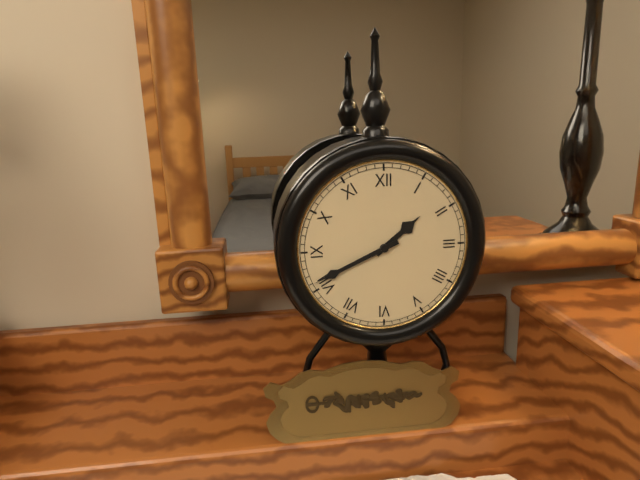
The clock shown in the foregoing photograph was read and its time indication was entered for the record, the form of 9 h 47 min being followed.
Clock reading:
1 h 41 min
